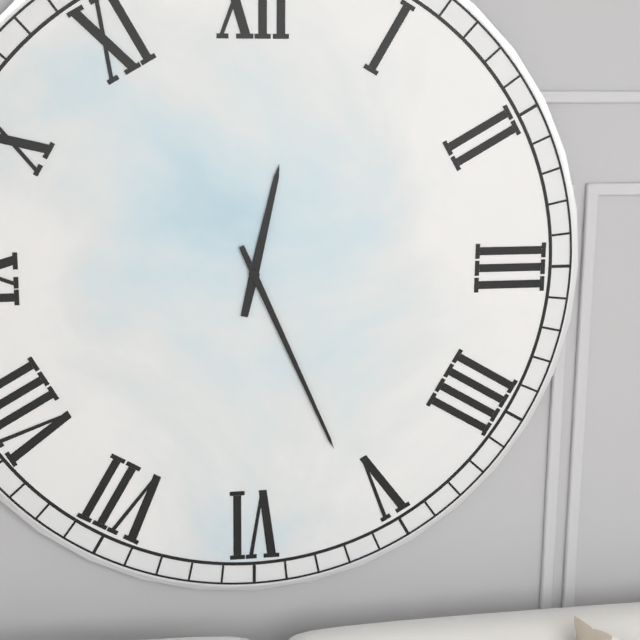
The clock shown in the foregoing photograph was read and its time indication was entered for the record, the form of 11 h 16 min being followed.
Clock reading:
12 h 26 min
